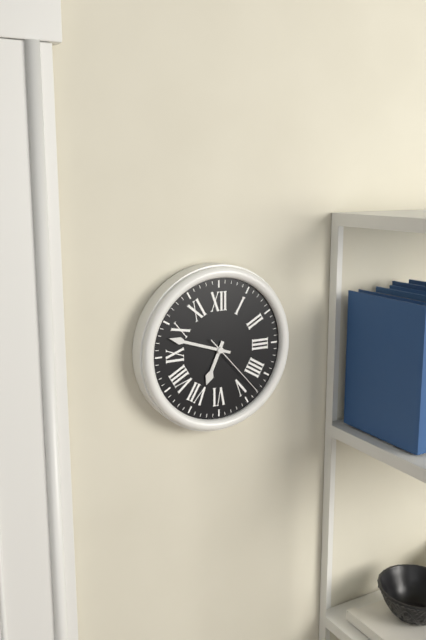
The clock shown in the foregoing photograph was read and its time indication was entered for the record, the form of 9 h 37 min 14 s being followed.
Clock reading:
6 h 48 min 23 s
